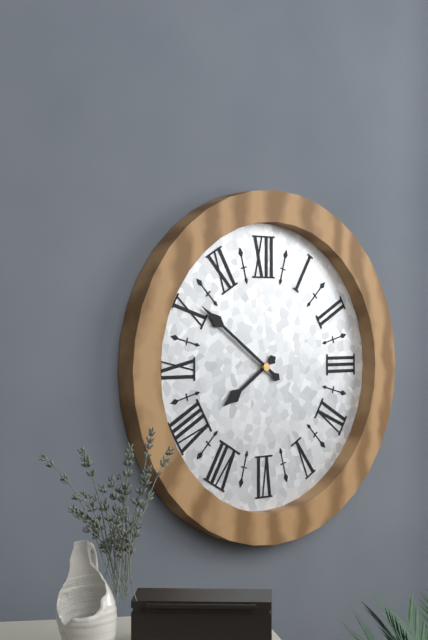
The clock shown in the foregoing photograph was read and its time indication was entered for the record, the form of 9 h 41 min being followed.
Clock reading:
7 h 51 min
